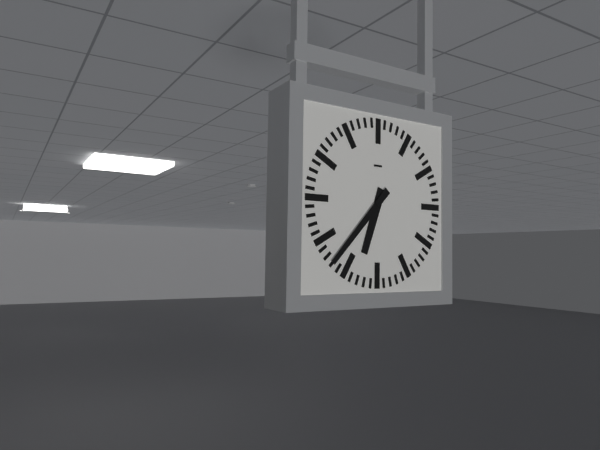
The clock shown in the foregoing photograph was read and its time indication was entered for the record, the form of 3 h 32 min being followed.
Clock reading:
6 h 37 min
